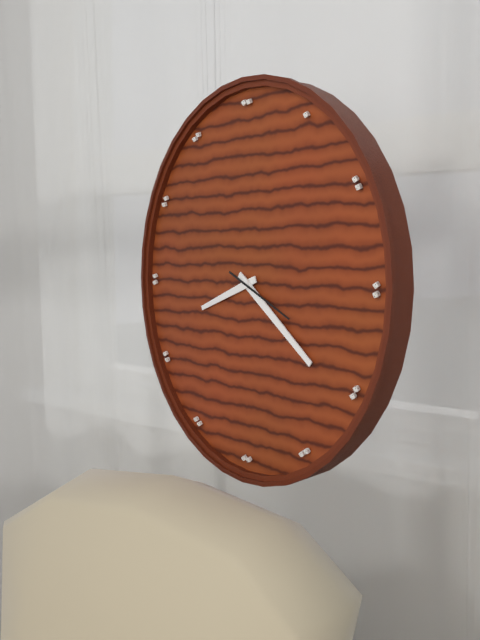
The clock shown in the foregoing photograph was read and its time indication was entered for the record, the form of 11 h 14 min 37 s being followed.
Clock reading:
8 h 21 min 19 s
